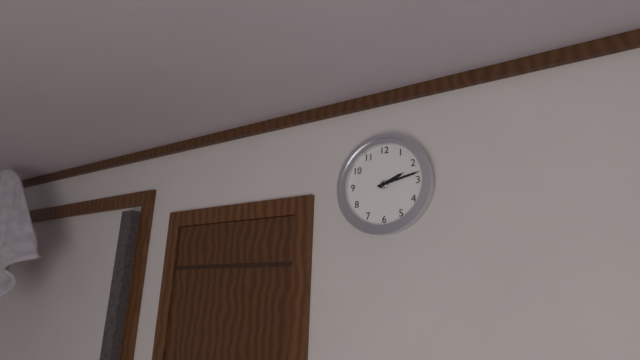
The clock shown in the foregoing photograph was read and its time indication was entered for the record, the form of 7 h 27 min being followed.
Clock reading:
2 h 13 min
